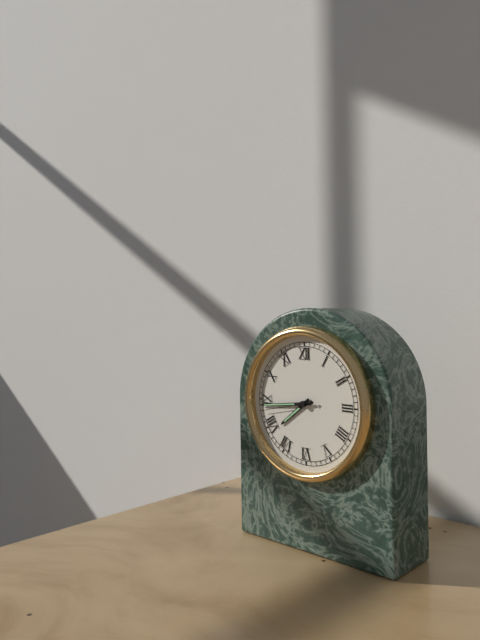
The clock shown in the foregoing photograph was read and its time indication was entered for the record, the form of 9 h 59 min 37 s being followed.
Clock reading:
7 h 44 min 43 s
